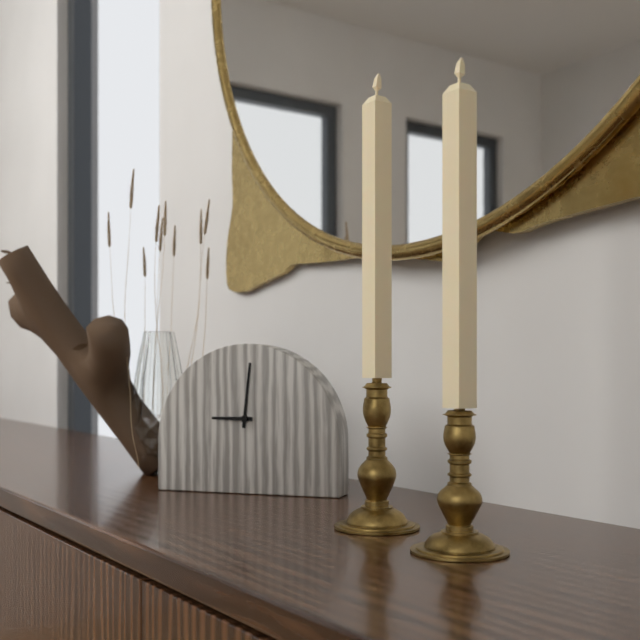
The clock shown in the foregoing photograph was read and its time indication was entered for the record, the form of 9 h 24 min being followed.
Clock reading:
9 h 01 min
